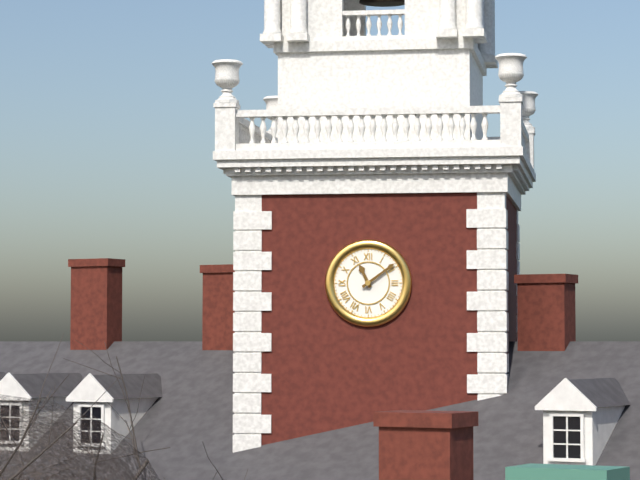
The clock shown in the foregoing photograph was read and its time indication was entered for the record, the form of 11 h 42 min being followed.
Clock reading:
11 h 09 min
